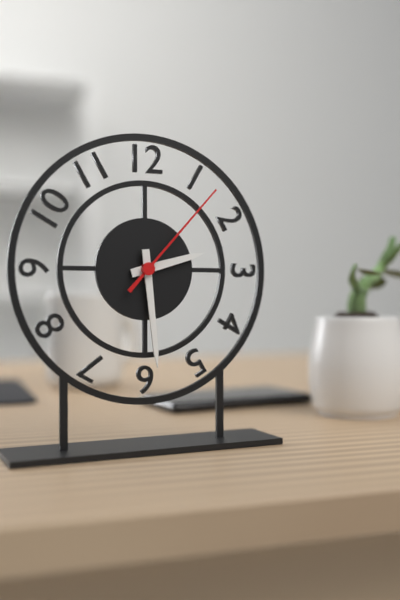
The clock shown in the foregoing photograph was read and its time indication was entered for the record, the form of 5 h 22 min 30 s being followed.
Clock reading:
2 h 29 min 07 s
